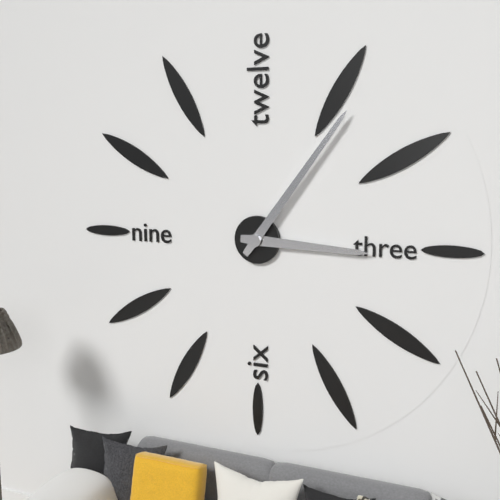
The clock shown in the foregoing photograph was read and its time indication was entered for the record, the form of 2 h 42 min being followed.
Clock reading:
3 h 06 min
